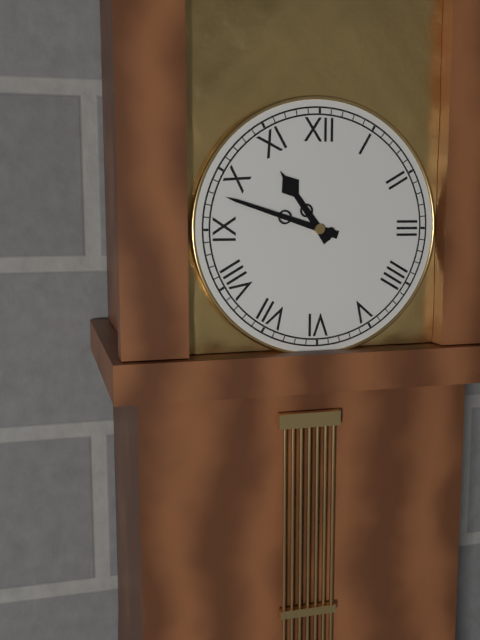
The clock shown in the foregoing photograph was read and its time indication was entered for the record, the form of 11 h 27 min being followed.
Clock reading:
10 h 48 min
